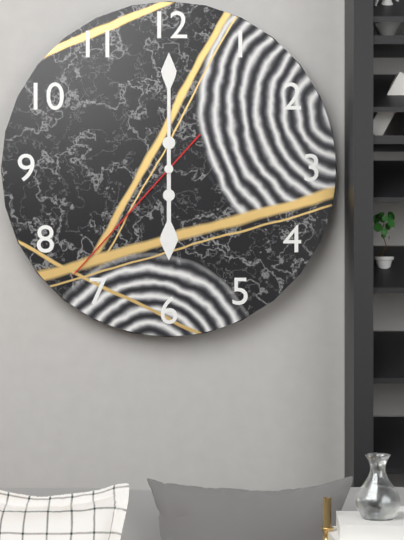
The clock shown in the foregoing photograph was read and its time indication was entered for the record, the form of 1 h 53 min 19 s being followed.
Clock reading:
6 h 00 min 37 s
